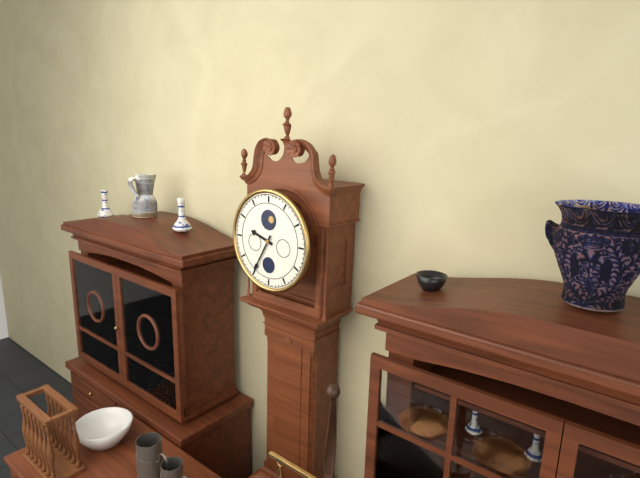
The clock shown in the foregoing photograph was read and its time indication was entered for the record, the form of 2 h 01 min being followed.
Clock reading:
9 h 35 min
